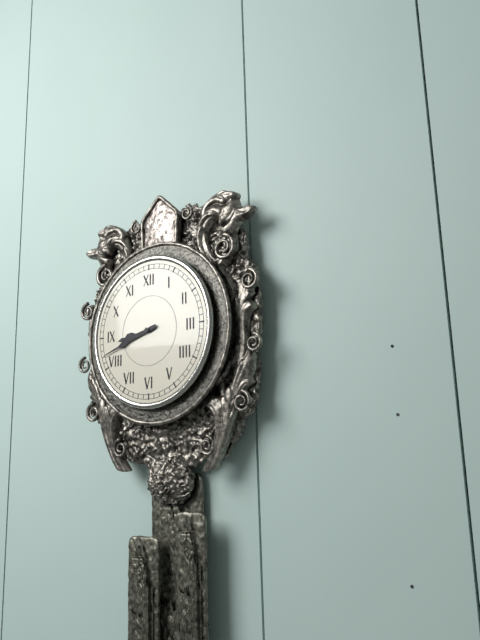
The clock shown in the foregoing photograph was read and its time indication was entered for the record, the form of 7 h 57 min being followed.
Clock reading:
8 h 42 min
